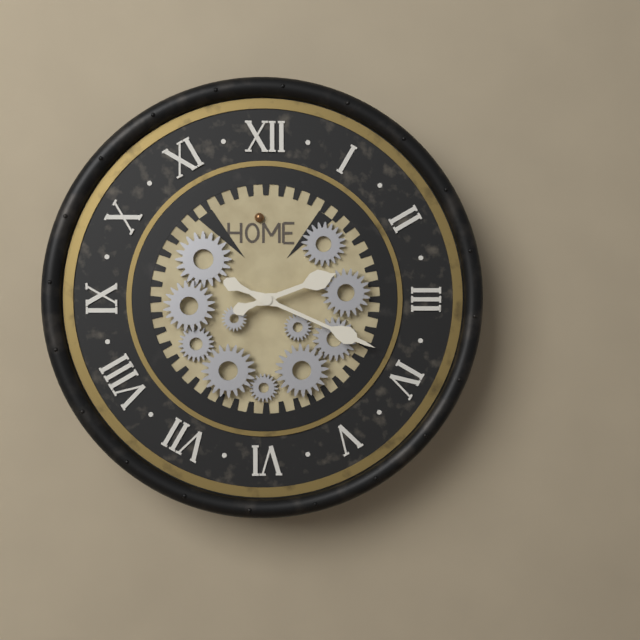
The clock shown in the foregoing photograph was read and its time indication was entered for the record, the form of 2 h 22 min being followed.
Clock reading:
2 h 19 min
